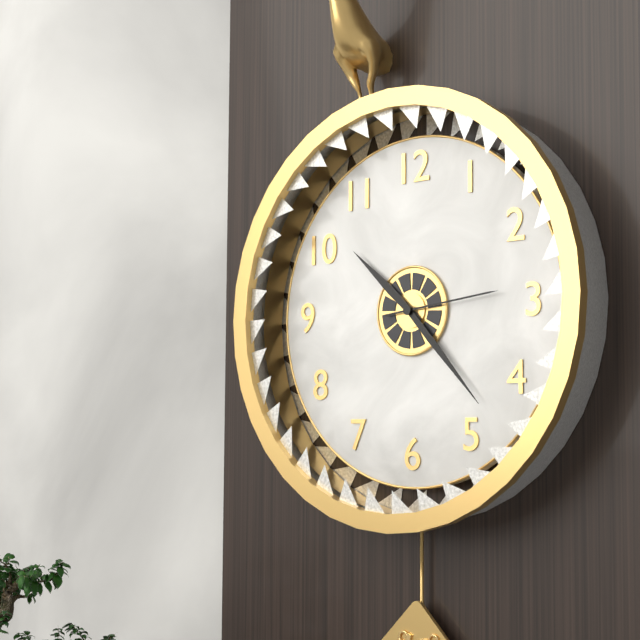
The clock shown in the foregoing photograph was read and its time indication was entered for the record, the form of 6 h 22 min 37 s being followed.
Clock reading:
10 h 23 min 14 s
